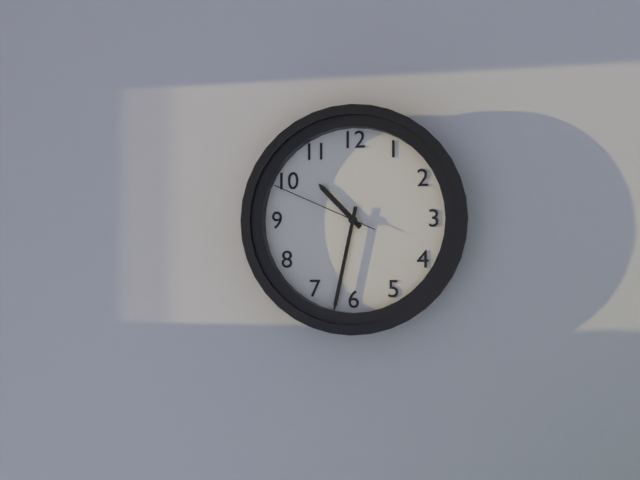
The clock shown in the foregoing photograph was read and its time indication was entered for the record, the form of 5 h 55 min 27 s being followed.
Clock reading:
10 h 32 min 49 s
